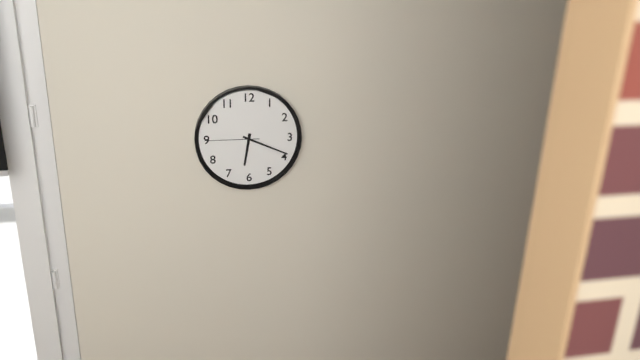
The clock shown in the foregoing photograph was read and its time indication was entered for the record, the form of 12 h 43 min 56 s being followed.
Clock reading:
6 h 19 min 45 s
